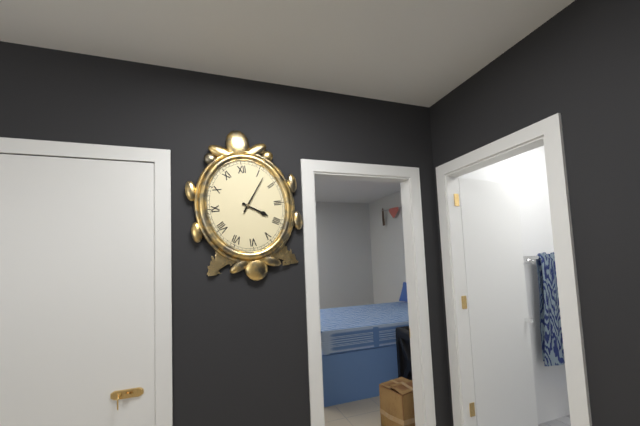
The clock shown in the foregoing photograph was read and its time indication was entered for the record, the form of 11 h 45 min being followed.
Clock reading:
4 h 06 min
